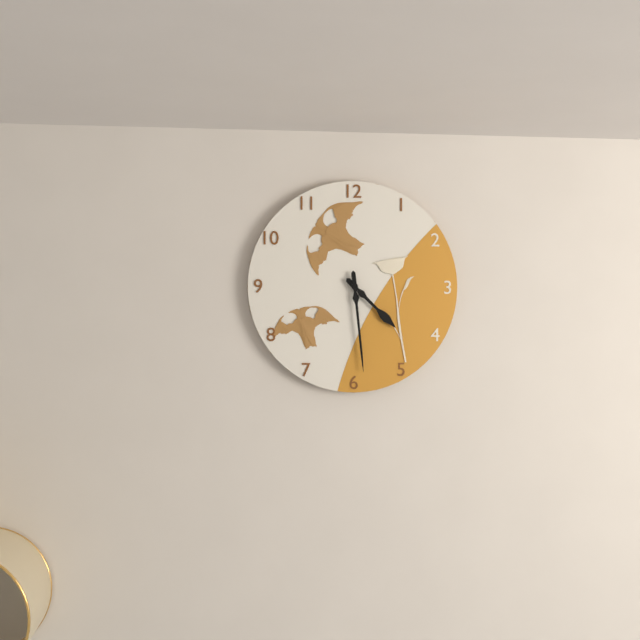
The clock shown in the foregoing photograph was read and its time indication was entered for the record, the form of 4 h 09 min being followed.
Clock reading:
4 h 29 min
